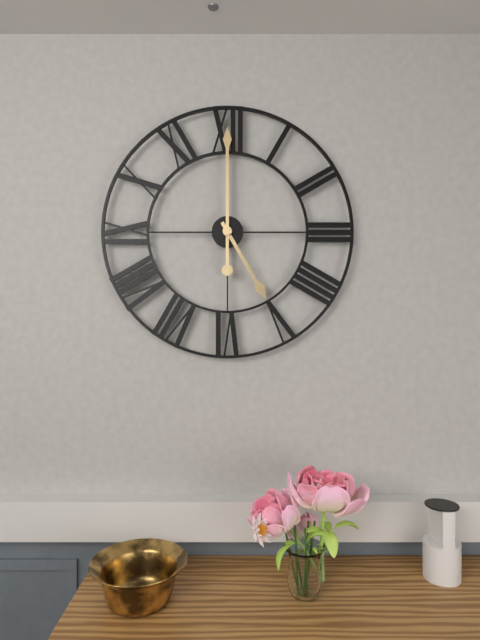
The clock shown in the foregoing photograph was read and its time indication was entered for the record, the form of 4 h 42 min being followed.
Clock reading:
5 h 00 min
